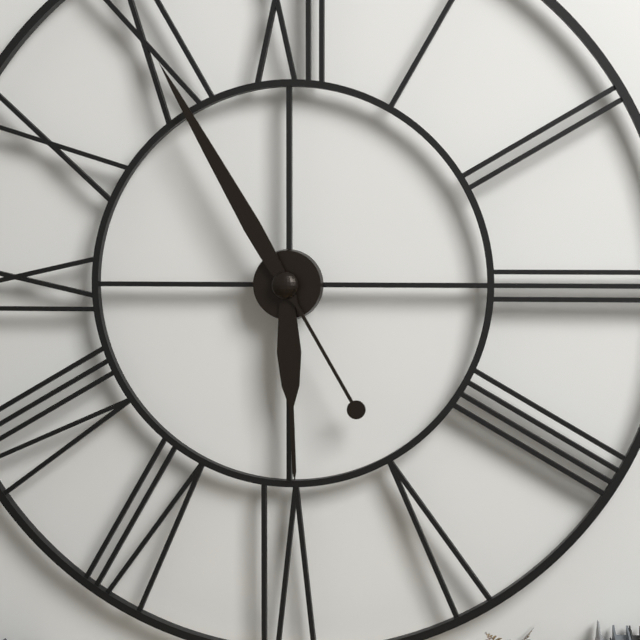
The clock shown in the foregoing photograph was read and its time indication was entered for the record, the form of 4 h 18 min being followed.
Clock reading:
5 h 55 min
